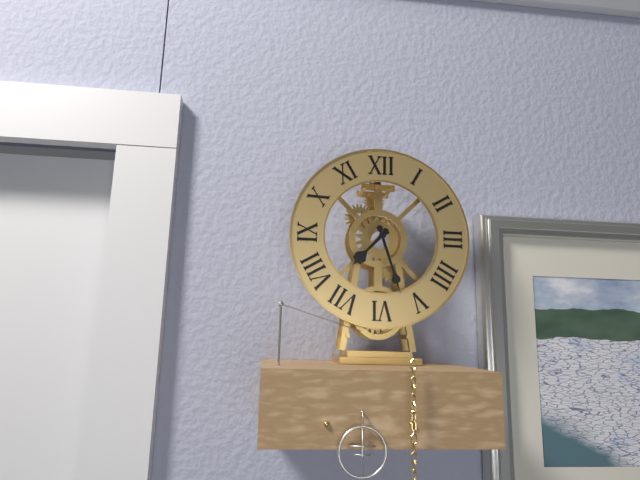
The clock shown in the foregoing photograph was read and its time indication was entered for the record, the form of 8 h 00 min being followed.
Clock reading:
7 h 27 min
